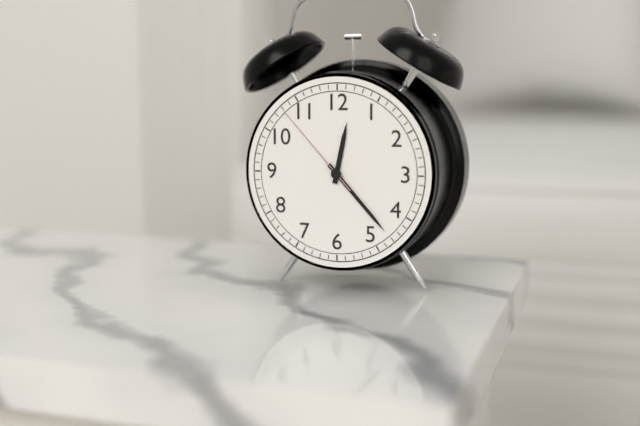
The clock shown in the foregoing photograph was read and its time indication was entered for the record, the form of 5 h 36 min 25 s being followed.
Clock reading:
12 h 23 min 53 s
